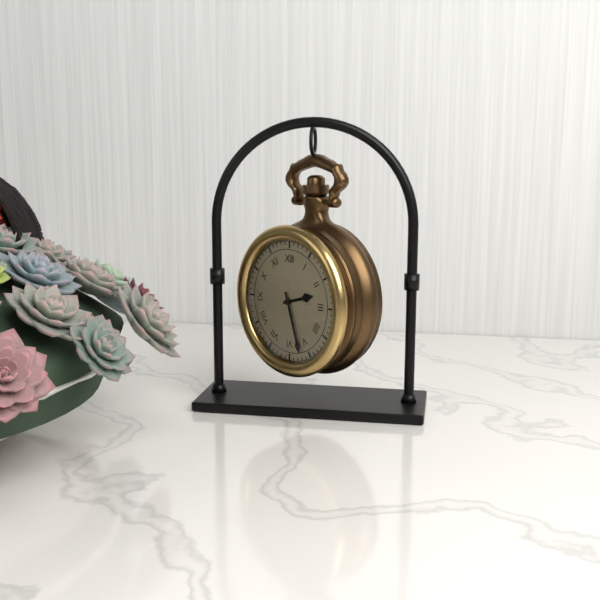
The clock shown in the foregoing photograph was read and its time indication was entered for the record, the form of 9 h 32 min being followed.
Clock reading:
2 h 27 min
